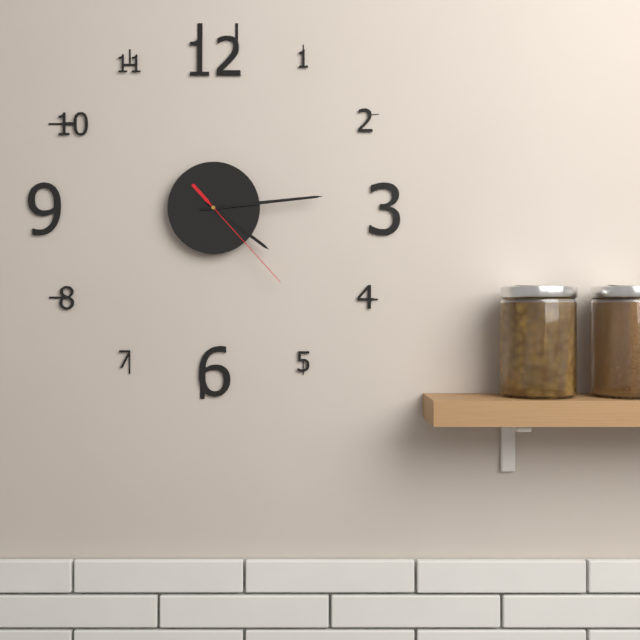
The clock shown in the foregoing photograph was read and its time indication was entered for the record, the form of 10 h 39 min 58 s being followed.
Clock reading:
4 h 14 min 23 s
